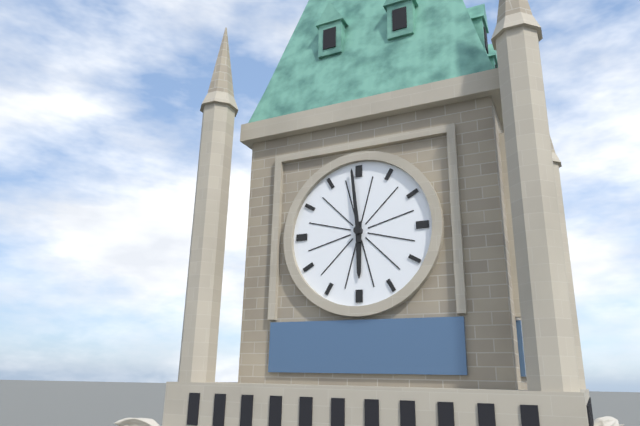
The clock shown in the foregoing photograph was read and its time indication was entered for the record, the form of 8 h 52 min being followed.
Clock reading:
5 h 59 min
